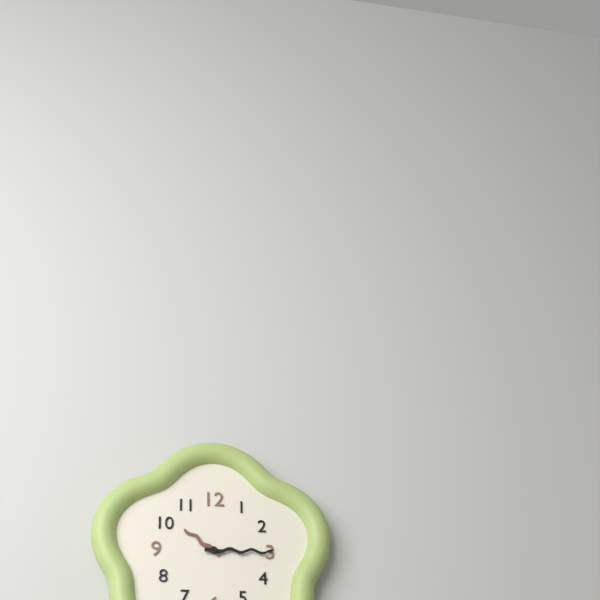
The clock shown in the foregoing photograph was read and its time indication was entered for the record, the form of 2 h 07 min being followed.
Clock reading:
10 h 15 min
